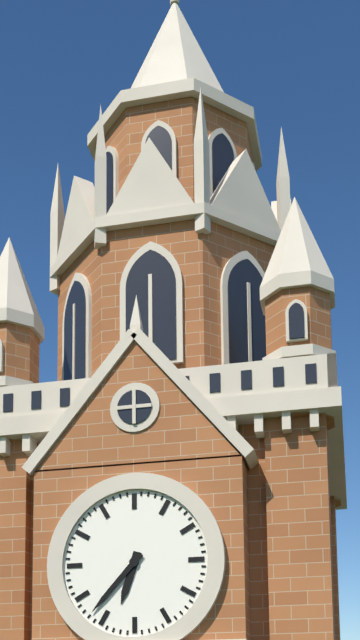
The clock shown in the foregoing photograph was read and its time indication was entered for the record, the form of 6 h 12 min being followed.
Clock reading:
6 h 37 min
